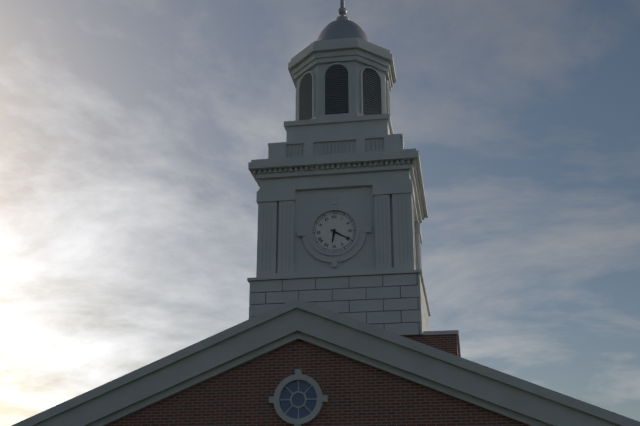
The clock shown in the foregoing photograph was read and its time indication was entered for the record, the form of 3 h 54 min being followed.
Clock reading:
6 h 20 min
